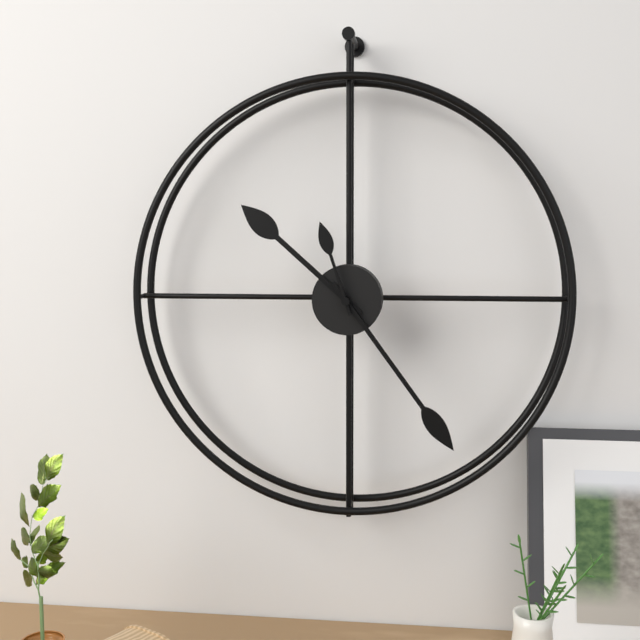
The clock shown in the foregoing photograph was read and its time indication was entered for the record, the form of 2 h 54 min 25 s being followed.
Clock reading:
10 h 24 min 57 s
